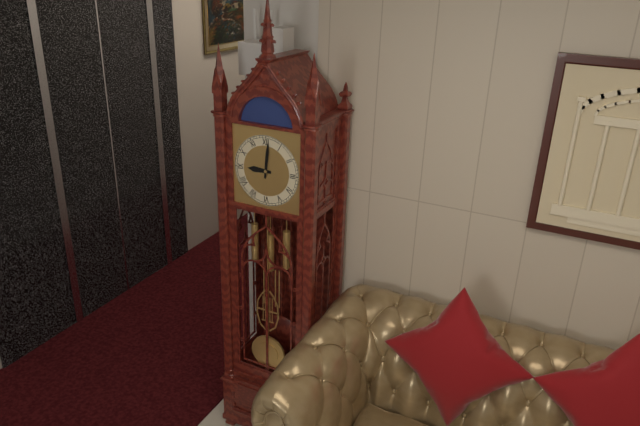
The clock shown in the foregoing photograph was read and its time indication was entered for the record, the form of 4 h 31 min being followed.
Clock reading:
9 h 01 min
